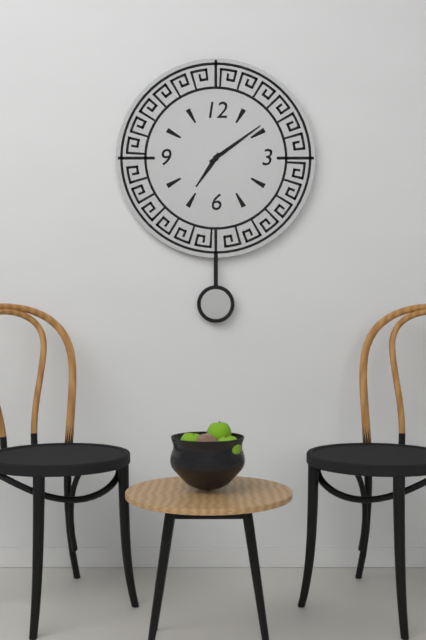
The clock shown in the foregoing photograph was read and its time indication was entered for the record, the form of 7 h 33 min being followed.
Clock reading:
7 h 09 min
